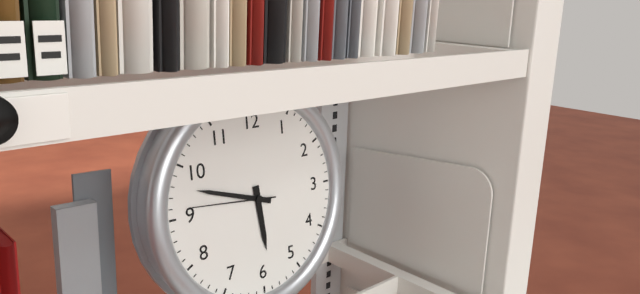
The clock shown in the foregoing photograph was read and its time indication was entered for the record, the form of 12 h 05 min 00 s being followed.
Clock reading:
5 h 48 min 46 s
